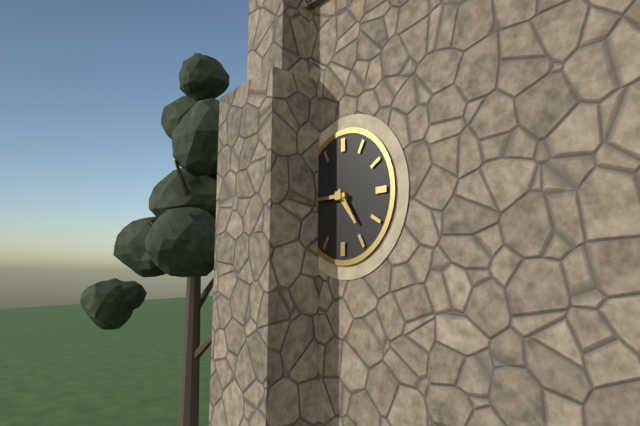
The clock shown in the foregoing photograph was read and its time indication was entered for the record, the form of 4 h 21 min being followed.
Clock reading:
4 h 45 min
